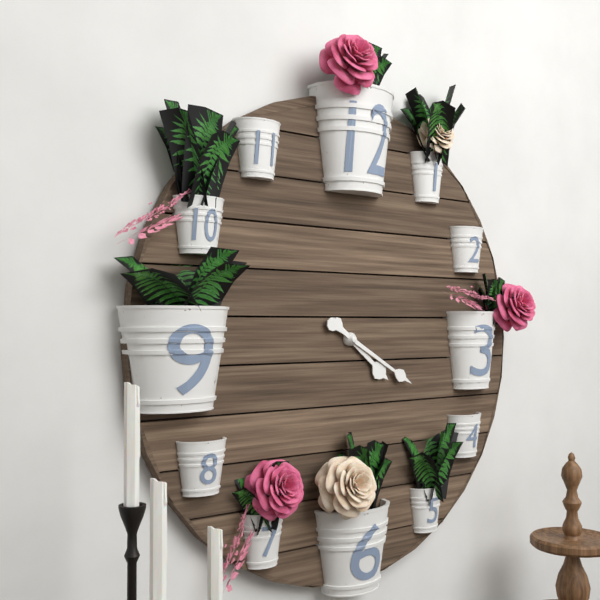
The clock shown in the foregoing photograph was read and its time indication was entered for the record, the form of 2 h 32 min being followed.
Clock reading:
4 h 20 min
